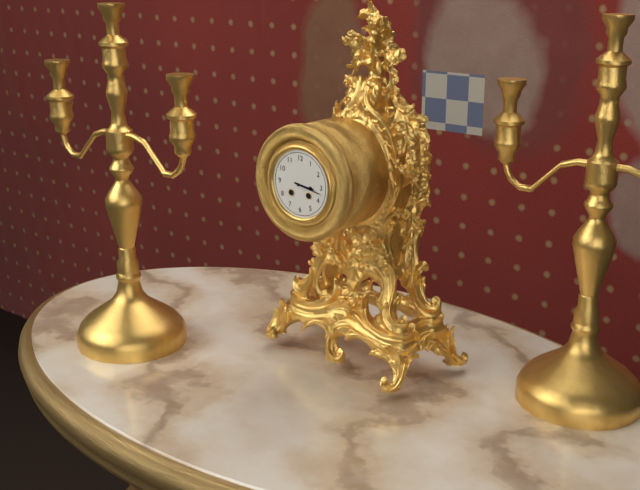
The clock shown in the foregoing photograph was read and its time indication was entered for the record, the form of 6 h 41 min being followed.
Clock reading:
3 h 17 min
